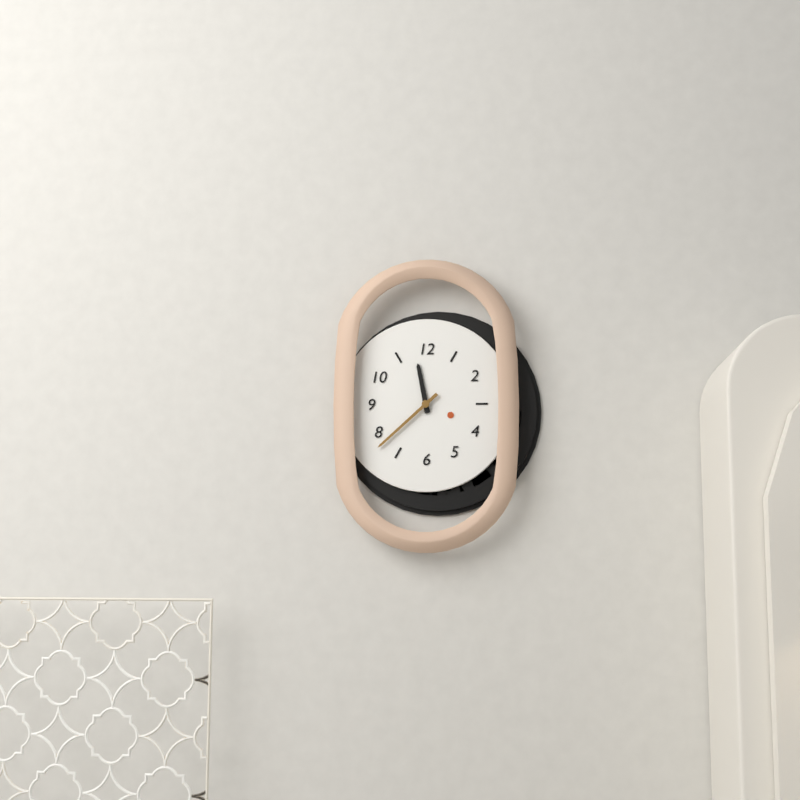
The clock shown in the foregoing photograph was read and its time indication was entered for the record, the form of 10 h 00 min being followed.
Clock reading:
11 h 38 min
